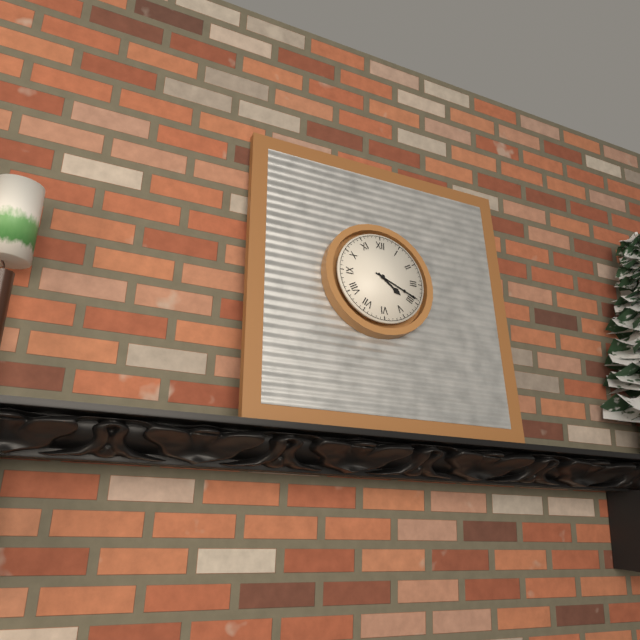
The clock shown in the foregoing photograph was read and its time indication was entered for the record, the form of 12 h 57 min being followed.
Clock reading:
4 h 19 min
